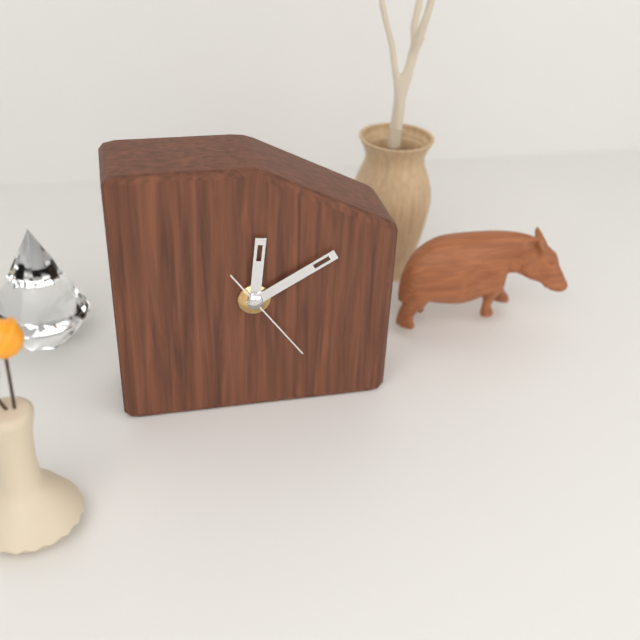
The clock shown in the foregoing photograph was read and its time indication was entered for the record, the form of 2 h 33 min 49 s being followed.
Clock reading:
12 h 10 min 24 s
